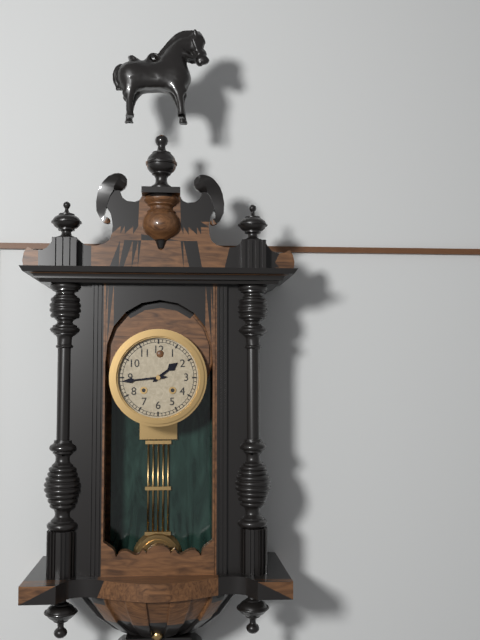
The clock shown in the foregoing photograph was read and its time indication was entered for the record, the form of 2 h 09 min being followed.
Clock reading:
1 h 44 min
